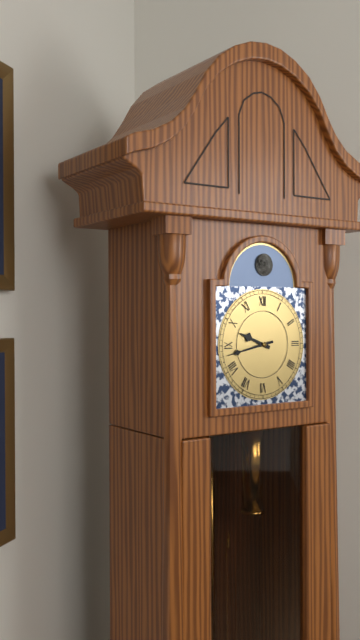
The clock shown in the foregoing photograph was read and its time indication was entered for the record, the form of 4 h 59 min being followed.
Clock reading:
9 h 43 min
